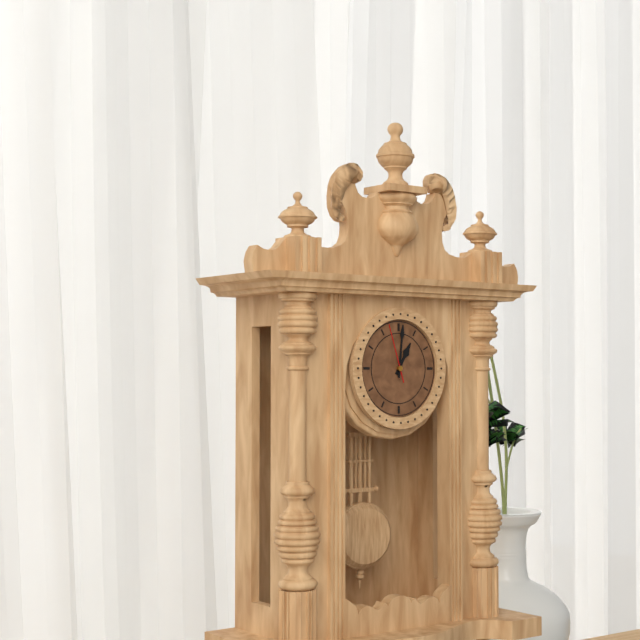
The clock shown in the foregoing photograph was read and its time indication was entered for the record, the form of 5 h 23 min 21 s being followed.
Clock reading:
1 h 01 min 57 s
